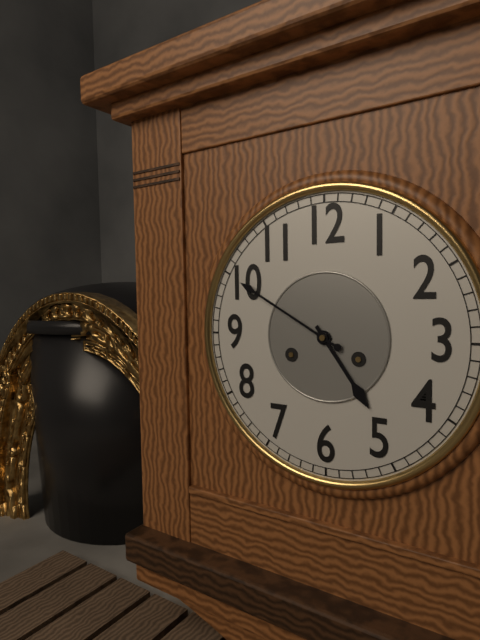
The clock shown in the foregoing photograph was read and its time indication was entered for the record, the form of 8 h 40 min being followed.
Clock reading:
4 h 50 min
